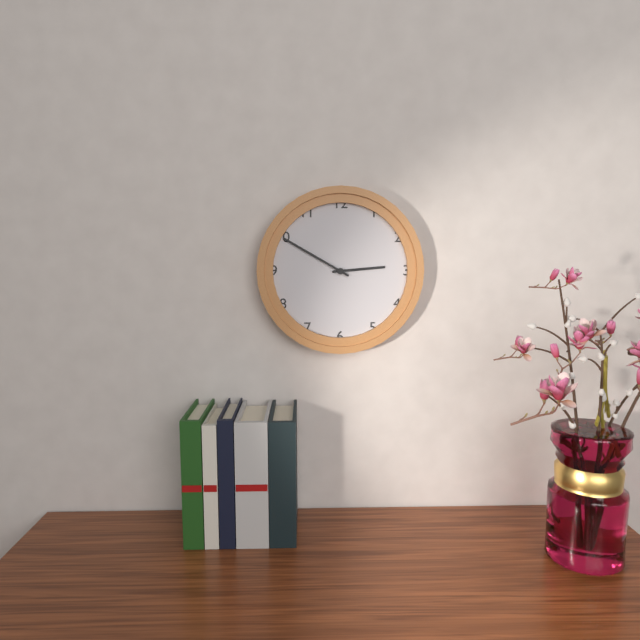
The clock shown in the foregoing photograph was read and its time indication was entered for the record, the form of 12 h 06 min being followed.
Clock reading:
2 h 50 min
